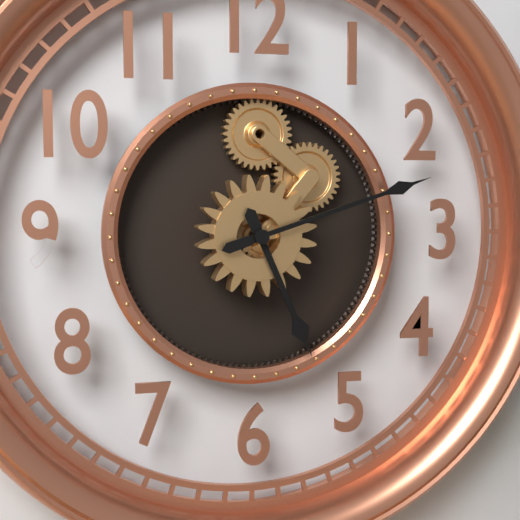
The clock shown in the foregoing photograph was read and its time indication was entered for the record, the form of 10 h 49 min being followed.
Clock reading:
5 h 12 min
